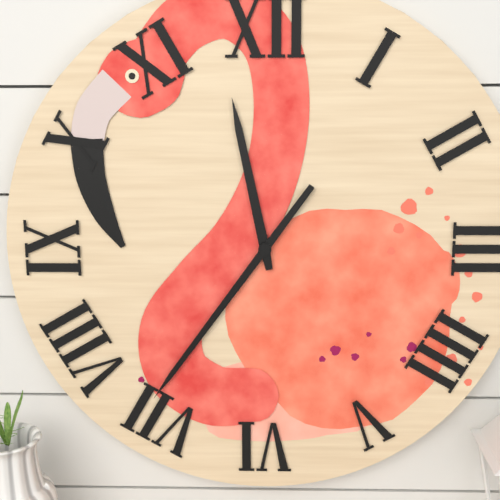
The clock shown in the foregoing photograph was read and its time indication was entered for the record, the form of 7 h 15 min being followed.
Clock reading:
11 h 36 min
